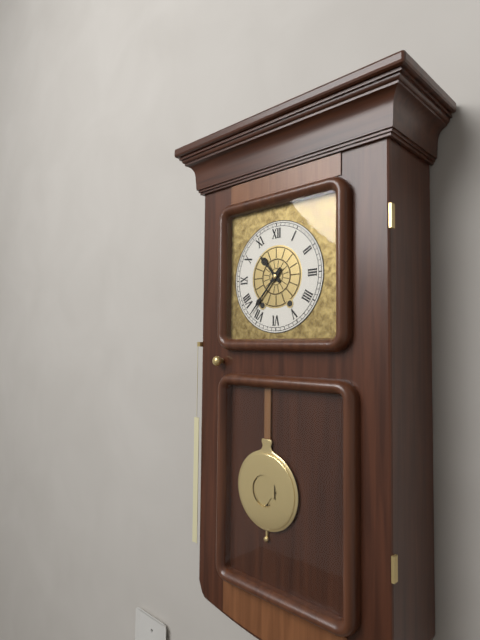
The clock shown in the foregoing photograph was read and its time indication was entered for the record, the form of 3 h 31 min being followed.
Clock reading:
10 h 37 min
